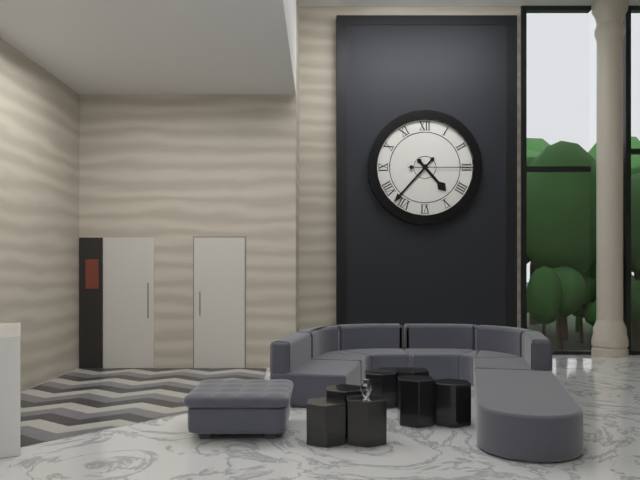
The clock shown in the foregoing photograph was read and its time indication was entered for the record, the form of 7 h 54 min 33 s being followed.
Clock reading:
4 h 37 min 15 s
